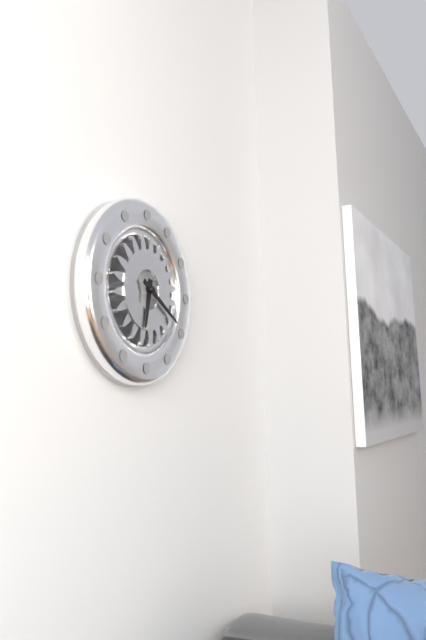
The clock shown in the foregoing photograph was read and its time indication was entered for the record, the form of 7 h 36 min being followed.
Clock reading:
6 h 20 min
